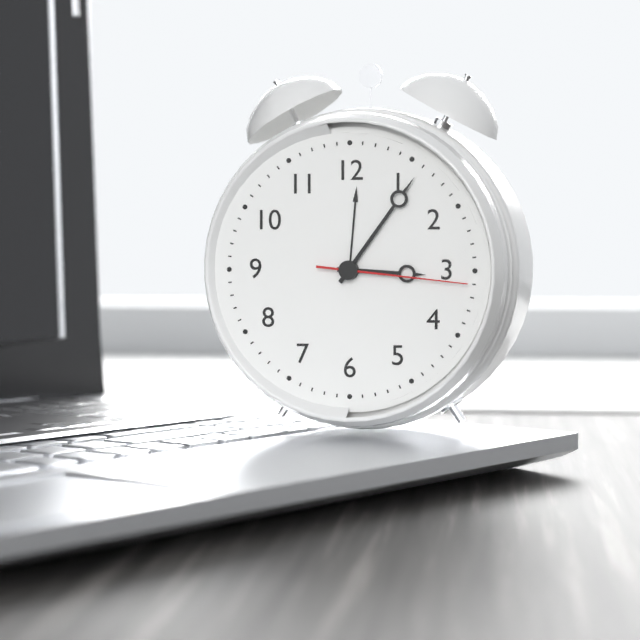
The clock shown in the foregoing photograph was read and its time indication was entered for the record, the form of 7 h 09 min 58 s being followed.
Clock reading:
3 h 06 min 16 s
